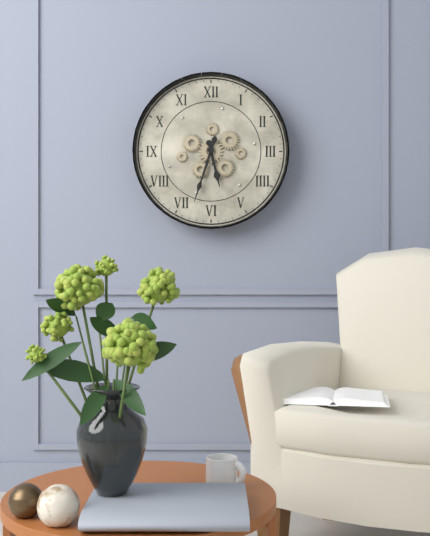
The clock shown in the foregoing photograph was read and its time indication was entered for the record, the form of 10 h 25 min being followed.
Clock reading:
5 h 33 min
